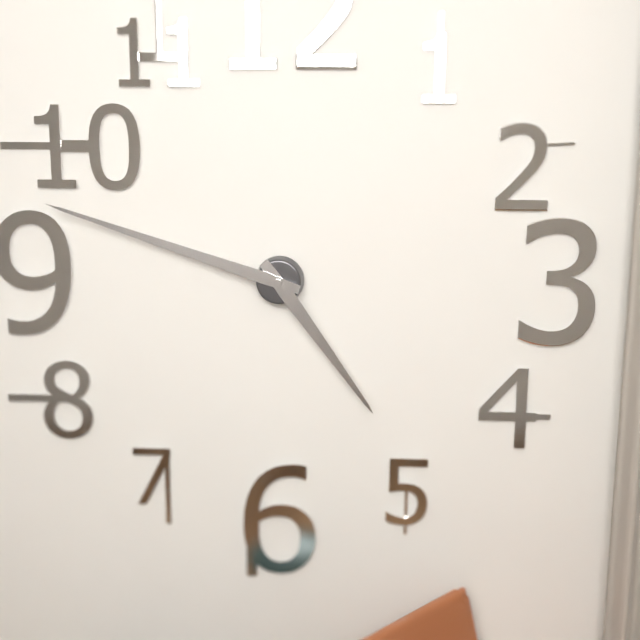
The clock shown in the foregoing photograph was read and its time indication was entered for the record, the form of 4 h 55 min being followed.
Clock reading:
4 h 48 min
